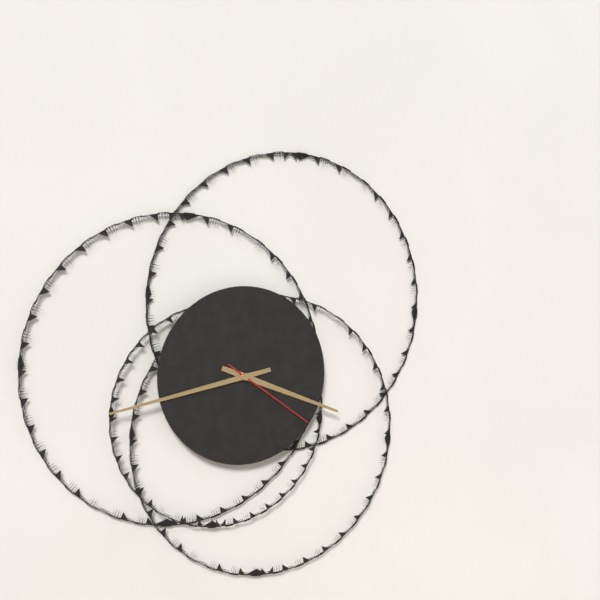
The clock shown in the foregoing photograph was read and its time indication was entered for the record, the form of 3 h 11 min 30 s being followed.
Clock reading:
3 h 43 min 21 s
